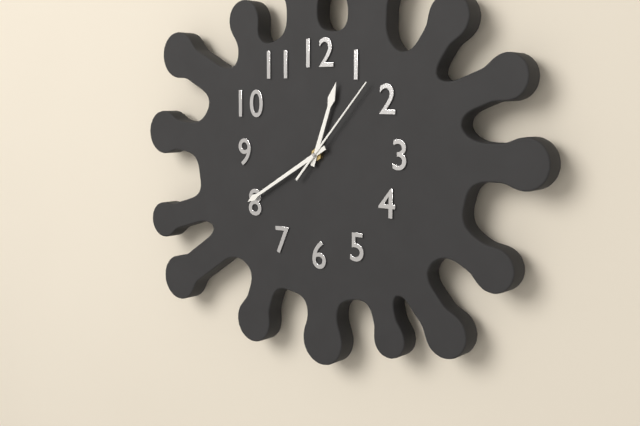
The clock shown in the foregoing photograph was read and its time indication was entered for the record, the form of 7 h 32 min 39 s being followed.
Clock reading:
12 h 40 min 07 s
